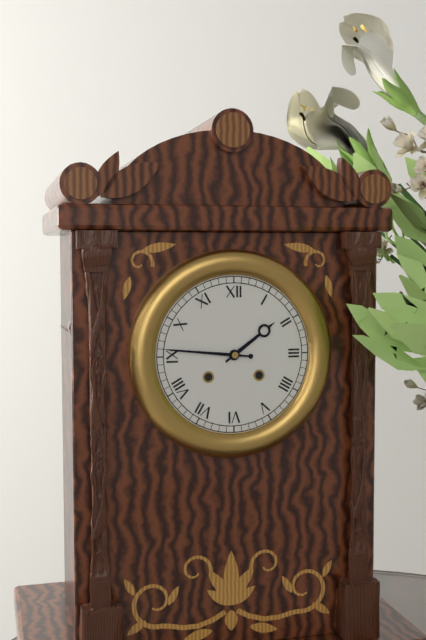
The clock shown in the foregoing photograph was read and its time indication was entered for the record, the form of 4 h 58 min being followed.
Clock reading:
1 h 46 min
